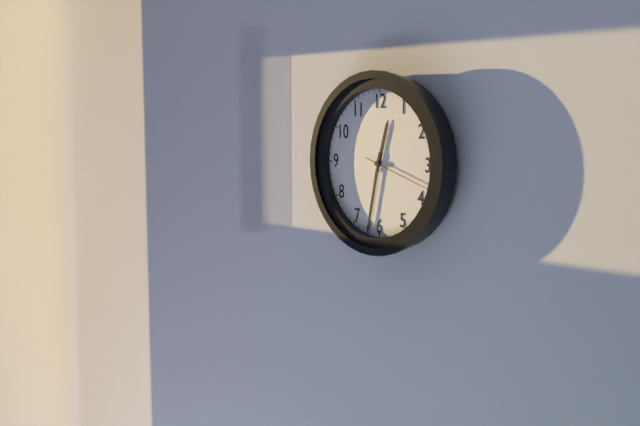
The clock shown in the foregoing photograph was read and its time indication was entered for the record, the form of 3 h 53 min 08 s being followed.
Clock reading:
12 h 32 min 18 s
